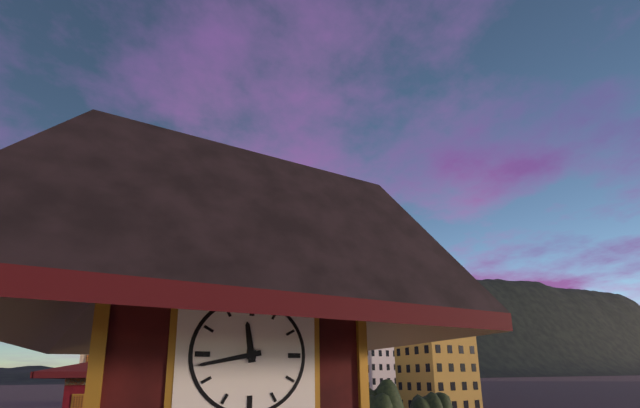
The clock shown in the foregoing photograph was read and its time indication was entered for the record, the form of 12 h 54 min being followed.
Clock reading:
11 h 43 min
